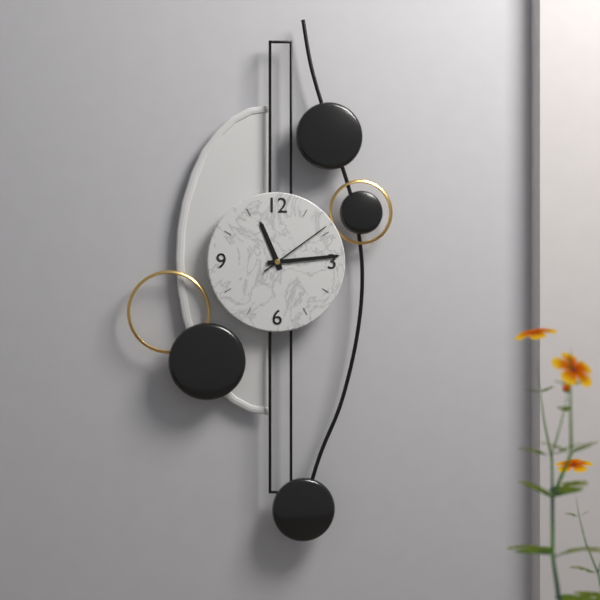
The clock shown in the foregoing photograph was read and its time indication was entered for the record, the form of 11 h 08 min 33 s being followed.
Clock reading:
11 h 14 min 09 s
